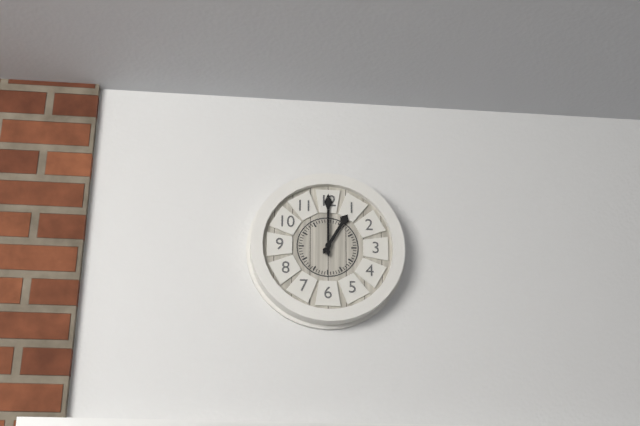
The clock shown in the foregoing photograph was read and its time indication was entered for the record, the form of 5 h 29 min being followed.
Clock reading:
1 h 00 min
